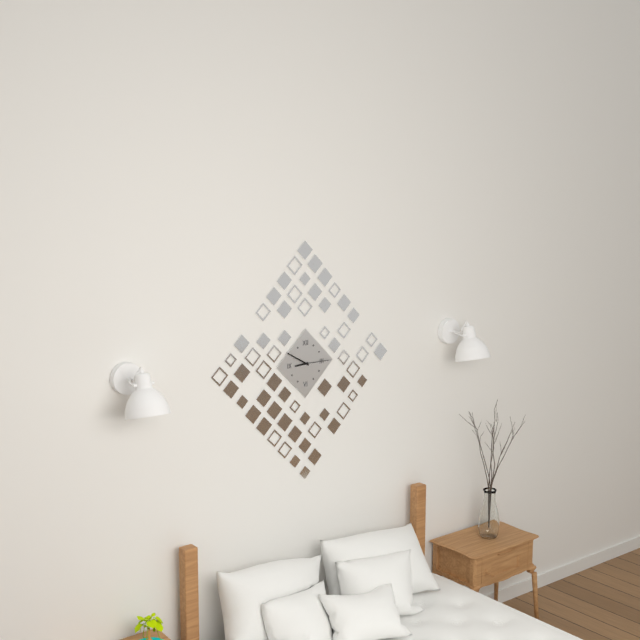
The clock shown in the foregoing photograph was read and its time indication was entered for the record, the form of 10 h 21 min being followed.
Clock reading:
8 h 50 min
